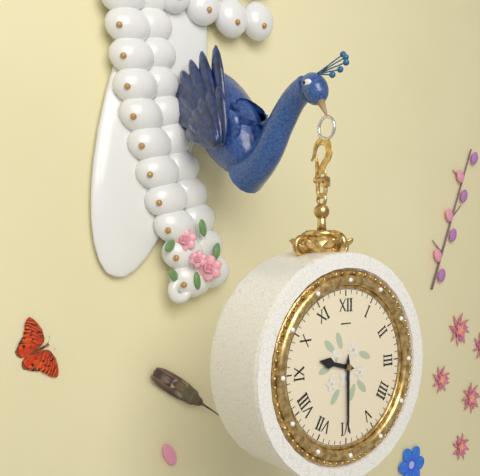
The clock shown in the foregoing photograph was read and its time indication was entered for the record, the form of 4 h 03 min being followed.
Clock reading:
9 h 30 min
